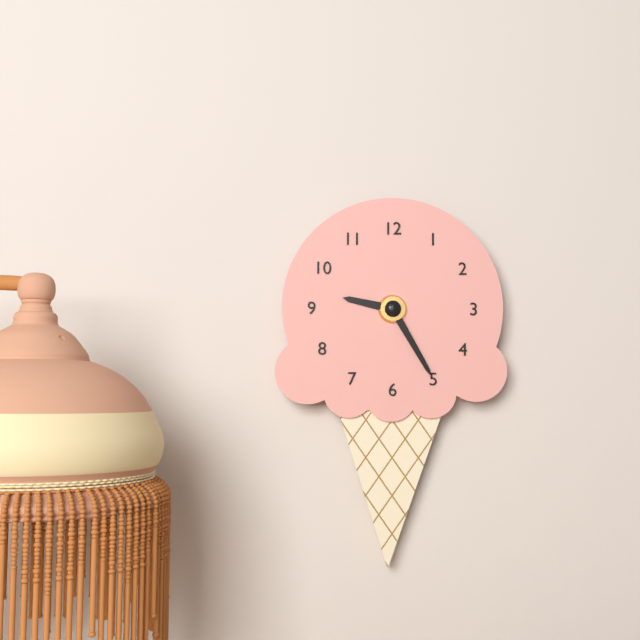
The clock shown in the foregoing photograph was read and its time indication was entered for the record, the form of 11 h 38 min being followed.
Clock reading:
9 h 25 min
